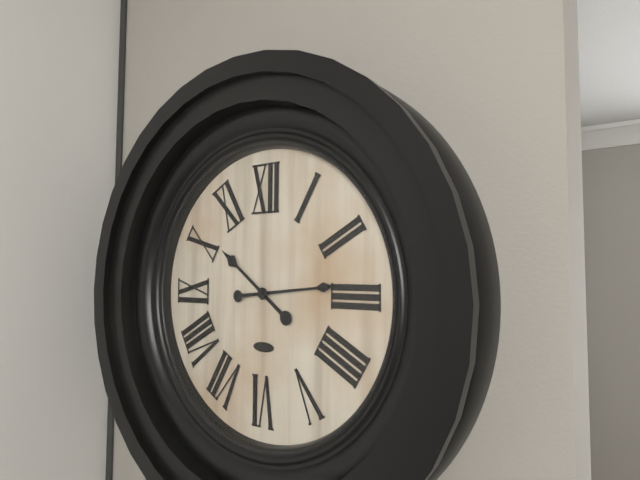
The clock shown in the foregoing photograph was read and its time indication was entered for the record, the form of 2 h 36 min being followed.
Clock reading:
10 h 14 min
